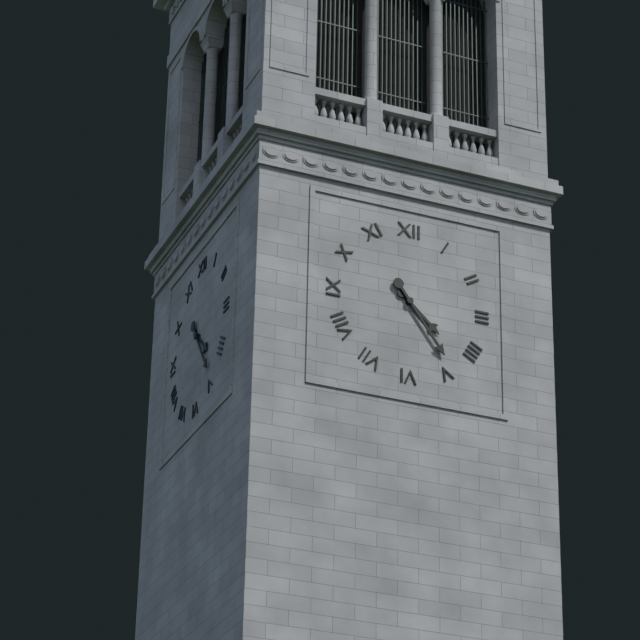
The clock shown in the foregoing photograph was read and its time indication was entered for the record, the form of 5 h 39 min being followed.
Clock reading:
4 h 24 min
